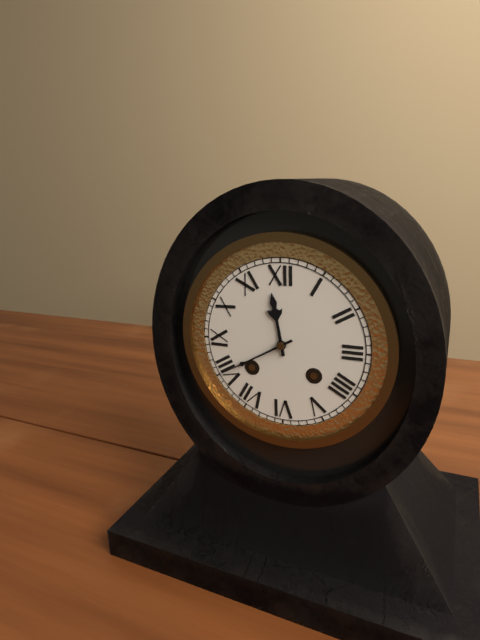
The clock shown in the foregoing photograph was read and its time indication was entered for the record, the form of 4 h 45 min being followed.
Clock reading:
11 h 40 min
